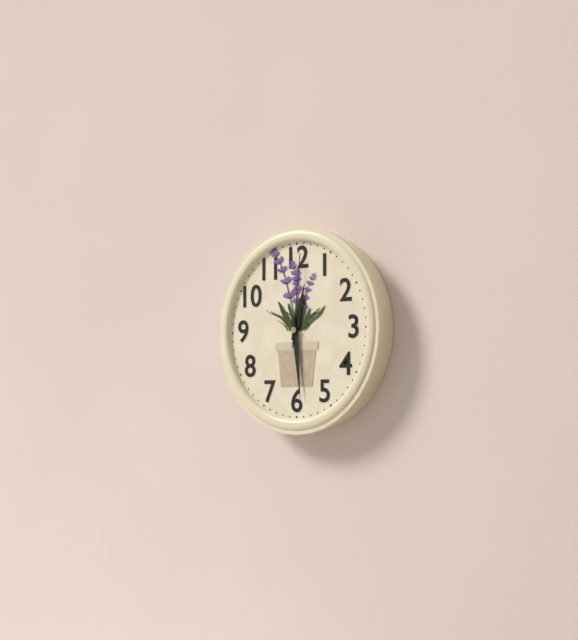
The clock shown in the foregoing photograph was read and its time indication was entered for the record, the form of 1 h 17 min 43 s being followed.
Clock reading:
12 h 29 min 01 s
